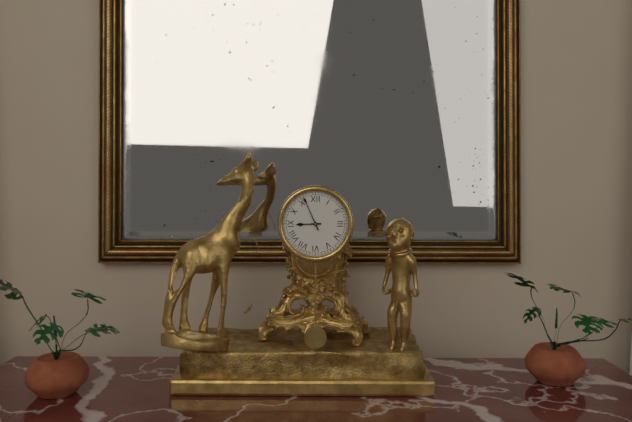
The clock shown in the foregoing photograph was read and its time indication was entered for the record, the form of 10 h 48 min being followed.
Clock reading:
8 h 56 min
